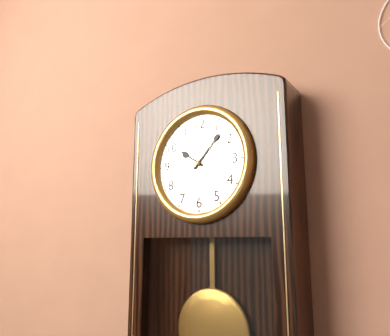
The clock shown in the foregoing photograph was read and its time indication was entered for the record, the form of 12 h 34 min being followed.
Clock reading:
10 h 07 min
